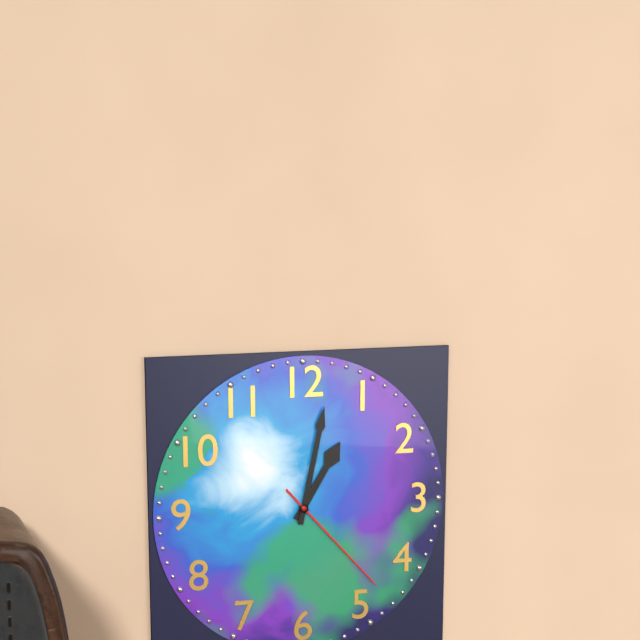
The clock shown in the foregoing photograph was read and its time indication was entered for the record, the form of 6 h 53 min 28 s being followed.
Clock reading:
1 h 02 min 23 s
